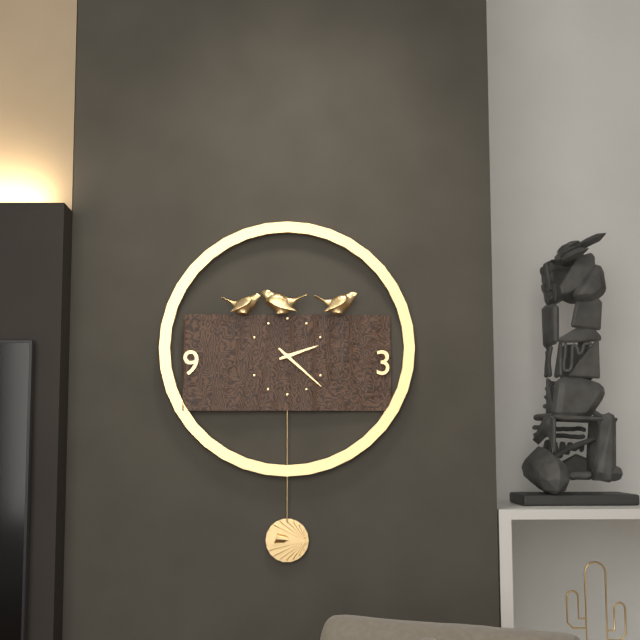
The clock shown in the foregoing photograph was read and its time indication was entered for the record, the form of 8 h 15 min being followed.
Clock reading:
2 h 22 min
